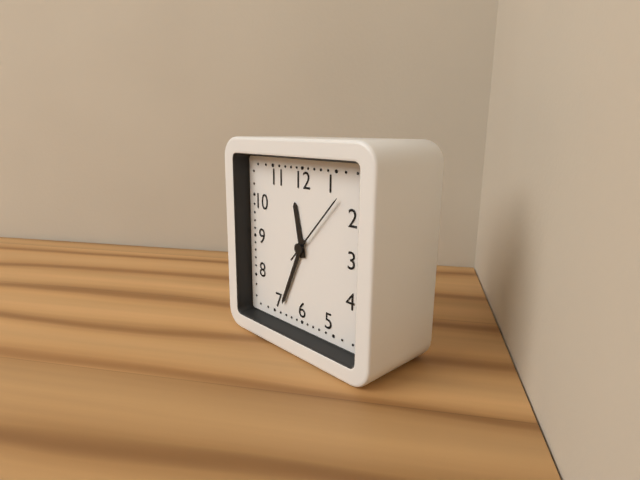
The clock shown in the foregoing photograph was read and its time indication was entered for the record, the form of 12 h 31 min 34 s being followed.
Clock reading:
11 h 34 min 07 s
